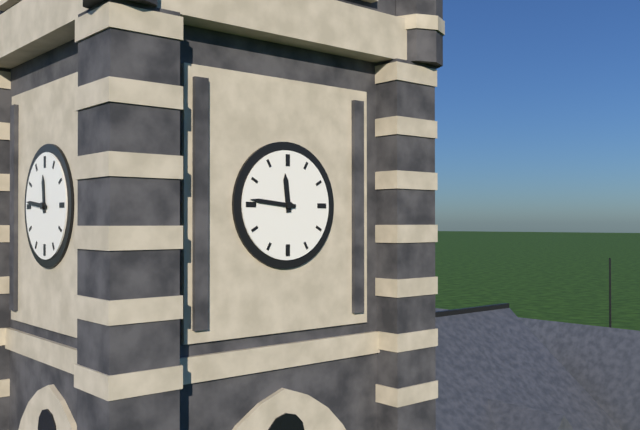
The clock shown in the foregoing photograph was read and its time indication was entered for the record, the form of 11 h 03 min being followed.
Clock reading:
11 h 46 min
